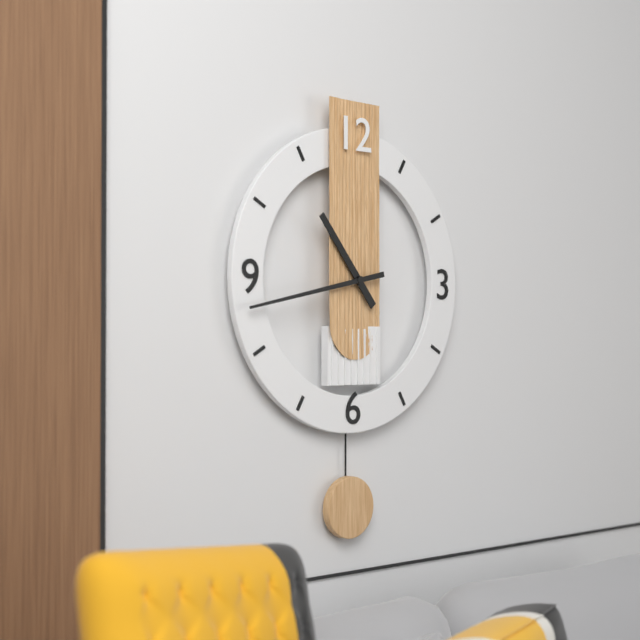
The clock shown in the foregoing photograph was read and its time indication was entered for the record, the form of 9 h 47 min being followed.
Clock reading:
10 h 43 min
